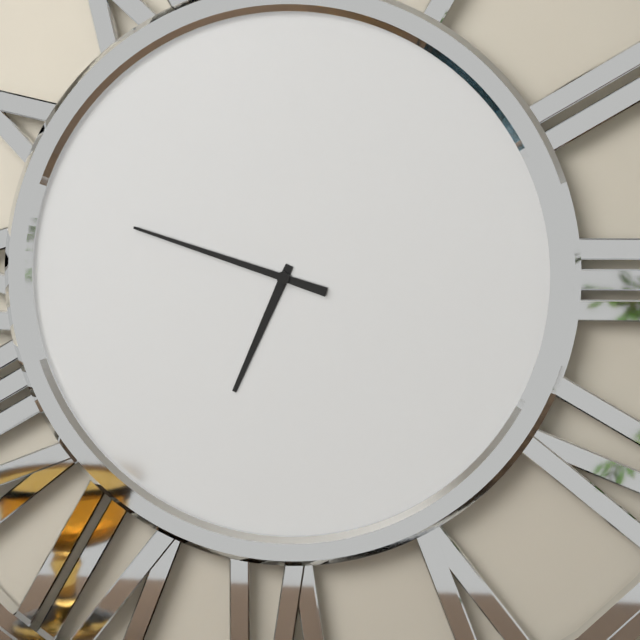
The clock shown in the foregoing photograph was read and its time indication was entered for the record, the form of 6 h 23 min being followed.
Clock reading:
6 h 48 min
